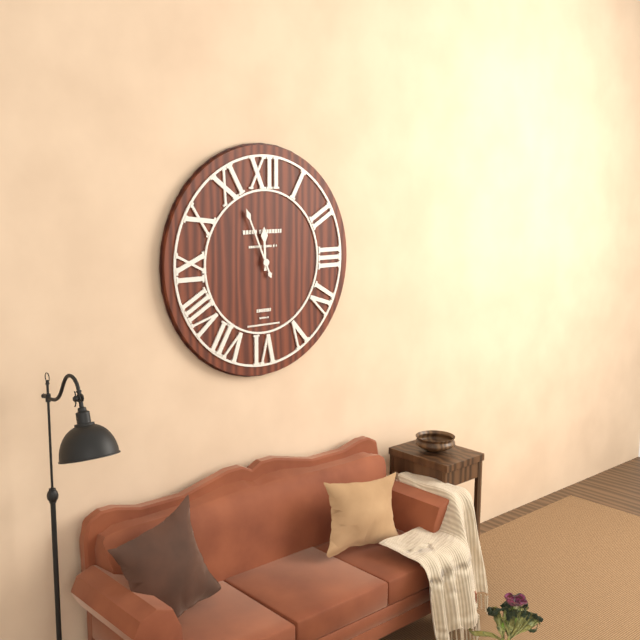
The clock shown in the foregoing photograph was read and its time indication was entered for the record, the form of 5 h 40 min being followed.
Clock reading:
11 h 56 min
